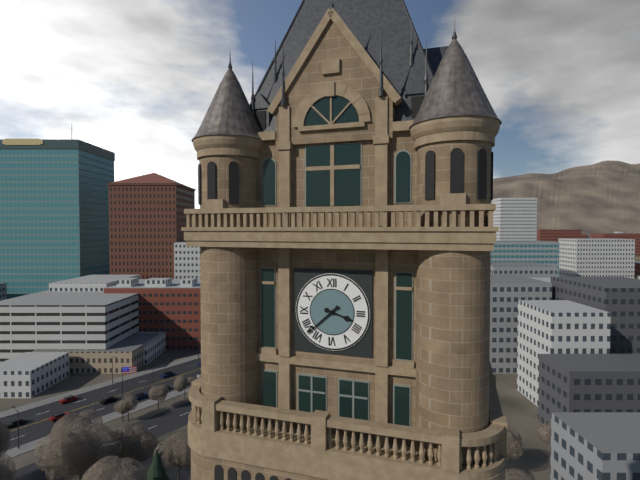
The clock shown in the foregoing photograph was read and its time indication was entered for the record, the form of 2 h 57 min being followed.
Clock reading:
3 h 38 min
